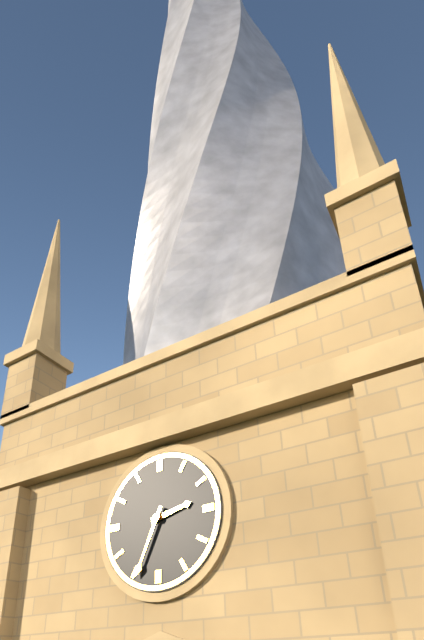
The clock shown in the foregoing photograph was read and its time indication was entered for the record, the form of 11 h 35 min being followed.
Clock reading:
2 h 34 min
